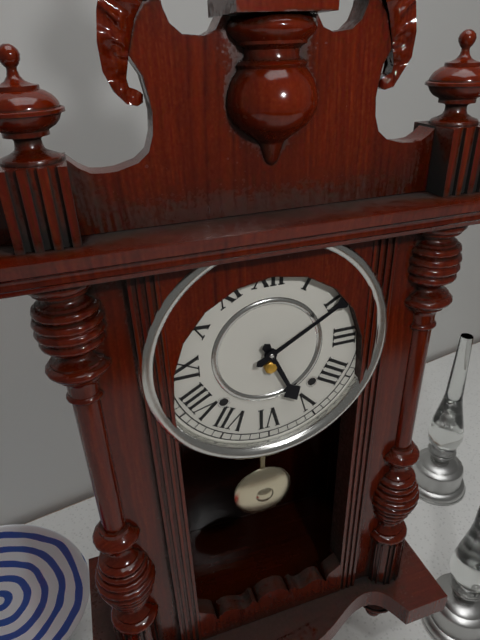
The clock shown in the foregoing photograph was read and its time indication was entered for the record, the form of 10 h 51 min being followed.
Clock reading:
5 h 10 min
